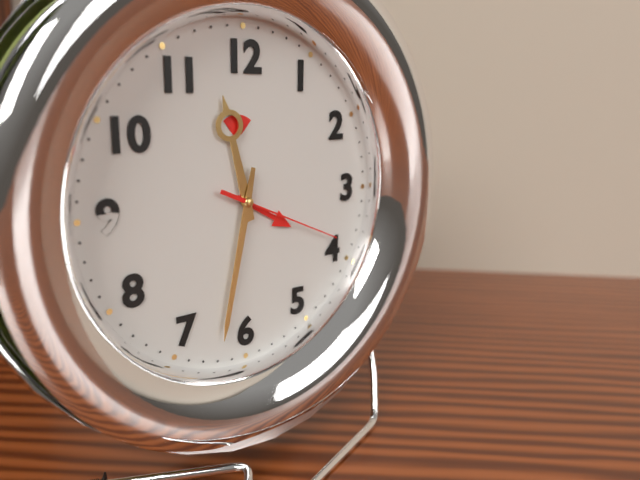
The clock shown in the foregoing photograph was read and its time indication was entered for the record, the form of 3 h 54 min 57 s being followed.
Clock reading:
11 h 32 min 19 s
